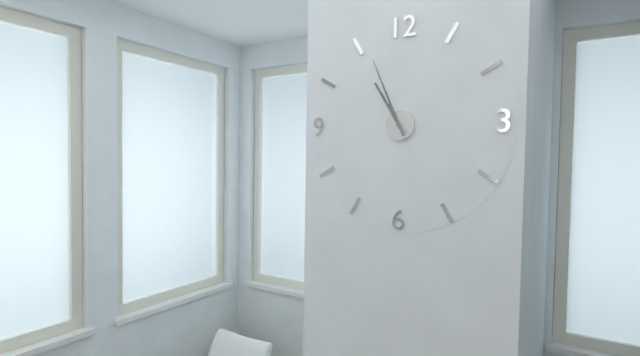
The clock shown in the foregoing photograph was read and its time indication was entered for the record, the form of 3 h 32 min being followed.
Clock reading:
10 h 56 min
